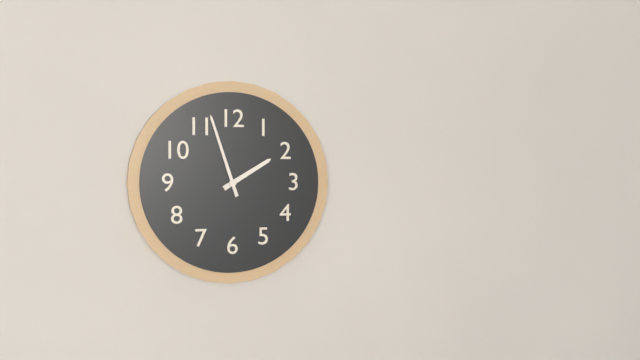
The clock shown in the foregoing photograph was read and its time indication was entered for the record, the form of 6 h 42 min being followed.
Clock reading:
1 h 57 min
